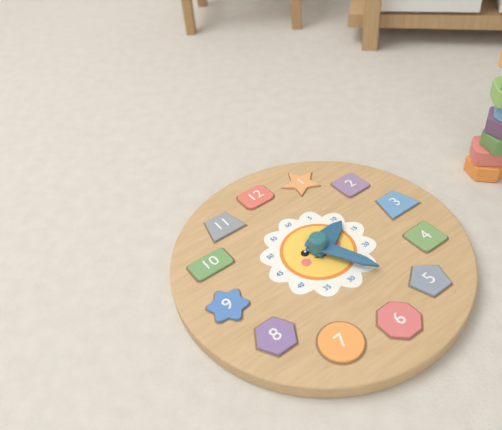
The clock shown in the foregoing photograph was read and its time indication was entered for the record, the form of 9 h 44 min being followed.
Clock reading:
2 h 26 min
